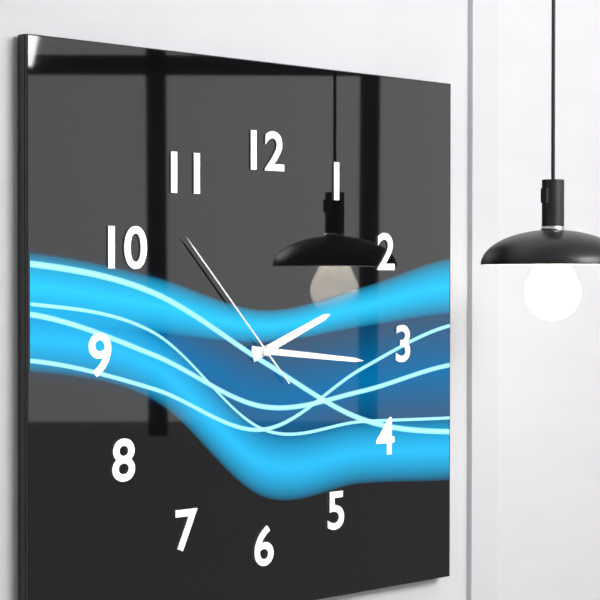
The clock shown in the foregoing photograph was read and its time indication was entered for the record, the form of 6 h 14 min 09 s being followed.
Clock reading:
2 h 16 min 53 s
